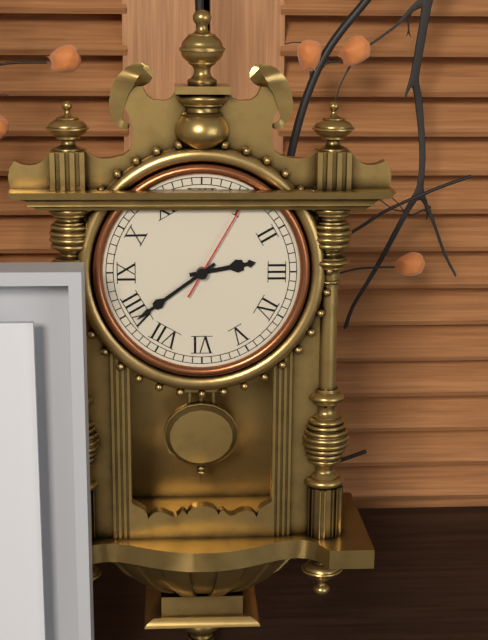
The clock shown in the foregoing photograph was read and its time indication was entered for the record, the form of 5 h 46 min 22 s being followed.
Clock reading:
2 h 39 min 05 s
